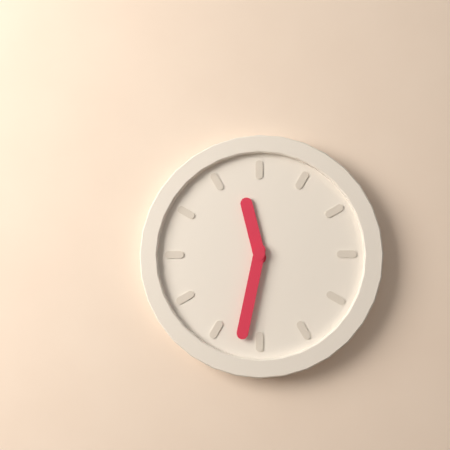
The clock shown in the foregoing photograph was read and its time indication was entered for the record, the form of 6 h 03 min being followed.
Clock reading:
11 h 32 min
